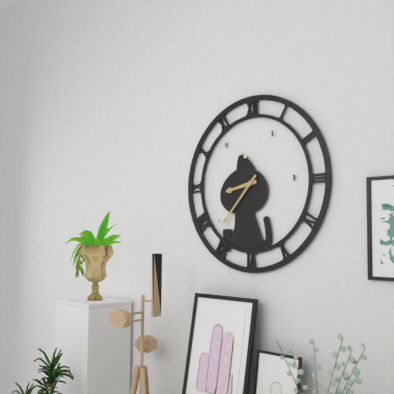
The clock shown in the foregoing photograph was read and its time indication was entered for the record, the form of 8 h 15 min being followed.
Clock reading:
8 h 37 min
